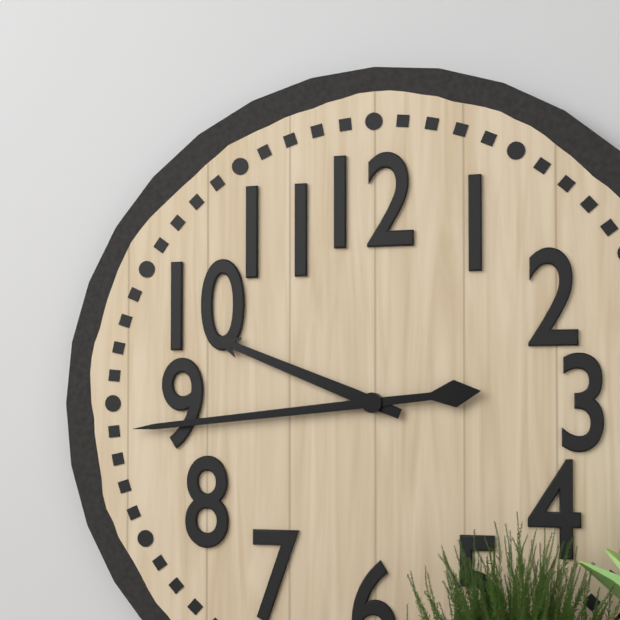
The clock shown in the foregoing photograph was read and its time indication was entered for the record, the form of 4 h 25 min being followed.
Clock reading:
9 h 44 min
